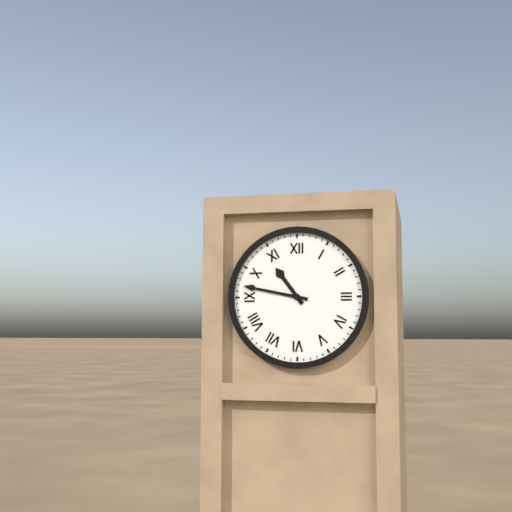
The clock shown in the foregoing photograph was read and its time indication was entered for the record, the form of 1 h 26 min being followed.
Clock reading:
10 h 47 min
